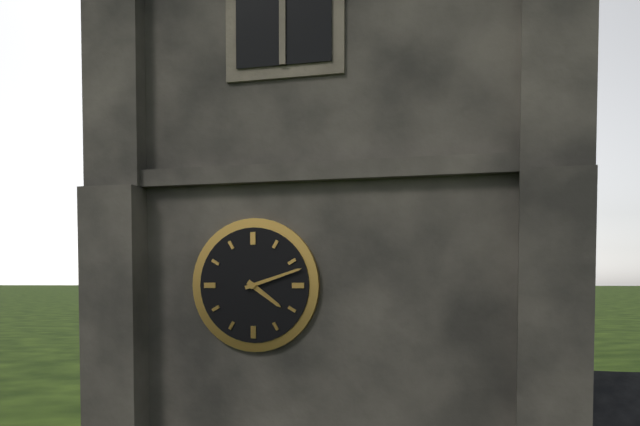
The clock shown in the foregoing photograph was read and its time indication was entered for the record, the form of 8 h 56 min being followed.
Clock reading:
4 h 12 min
